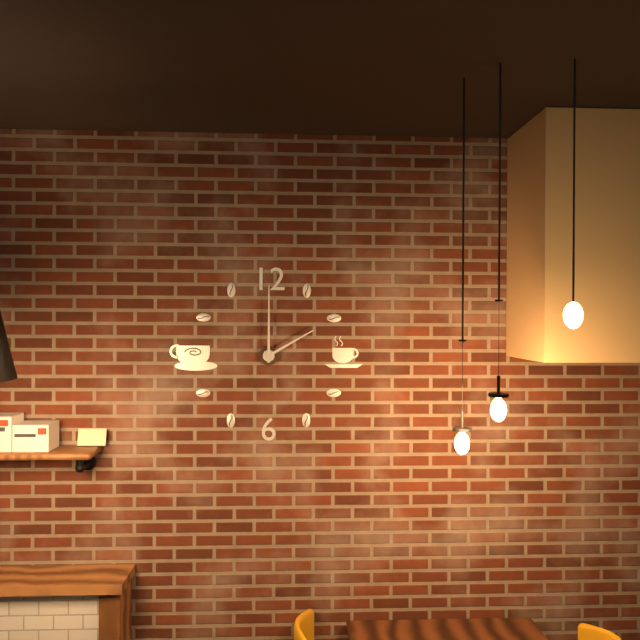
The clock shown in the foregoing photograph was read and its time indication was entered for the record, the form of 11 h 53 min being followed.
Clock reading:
2 h 00 min
